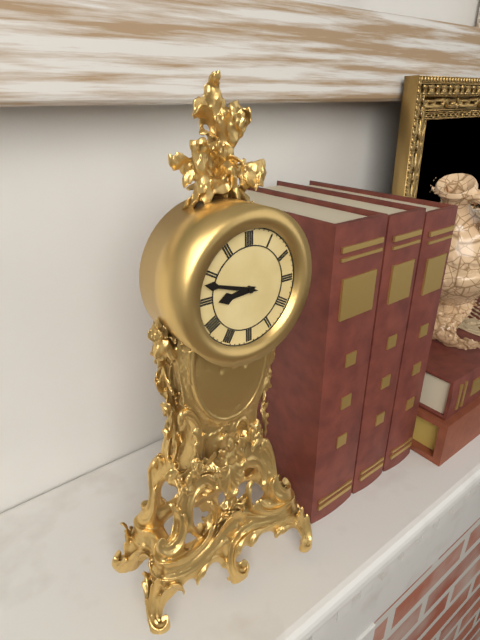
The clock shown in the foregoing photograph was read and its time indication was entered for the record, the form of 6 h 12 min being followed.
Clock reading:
8 h 48 min
